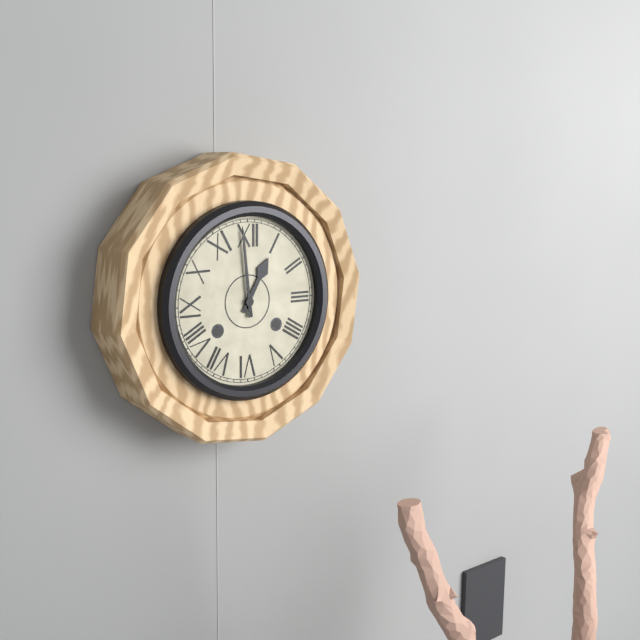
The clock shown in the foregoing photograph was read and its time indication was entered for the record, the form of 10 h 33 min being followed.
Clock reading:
12 h 59 min
